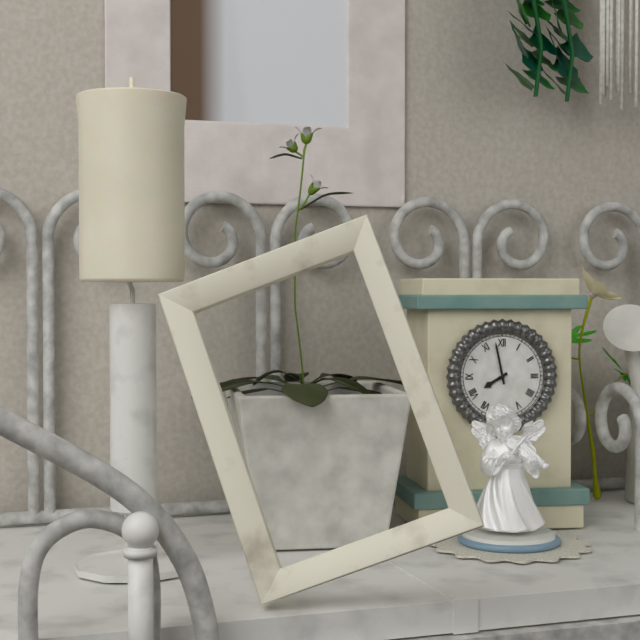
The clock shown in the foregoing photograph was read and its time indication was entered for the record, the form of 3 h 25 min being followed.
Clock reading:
7 h 58 min
